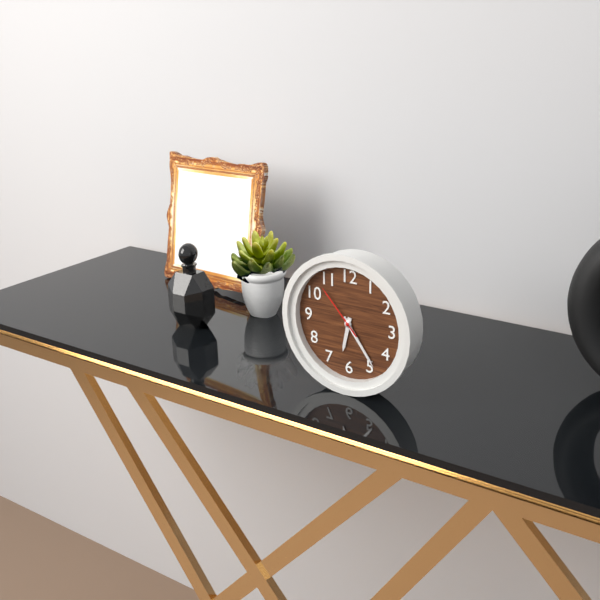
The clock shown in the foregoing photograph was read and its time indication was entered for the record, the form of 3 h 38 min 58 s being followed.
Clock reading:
6 h 24 min 53 s
